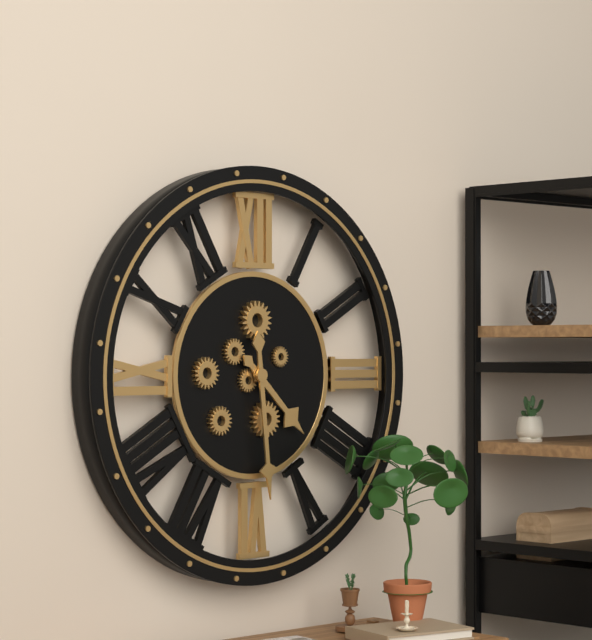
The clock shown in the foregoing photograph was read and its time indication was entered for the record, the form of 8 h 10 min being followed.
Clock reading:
4 h 29 min
